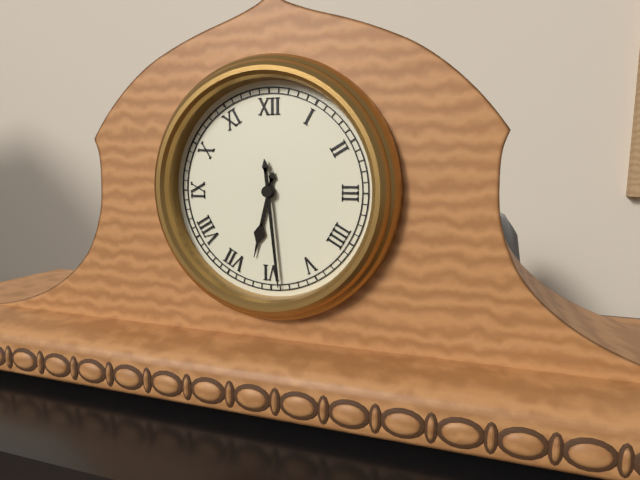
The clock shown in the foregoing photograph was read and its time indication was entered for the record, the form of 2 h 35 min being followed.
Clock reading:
6 h 29 min
